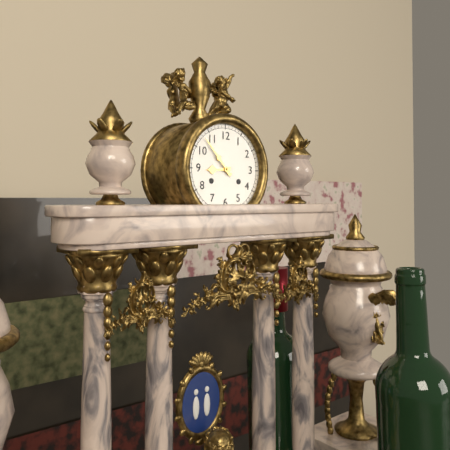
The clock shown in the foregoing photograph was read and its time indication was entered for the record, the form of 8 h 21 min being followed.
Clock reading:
8 h 53 min
